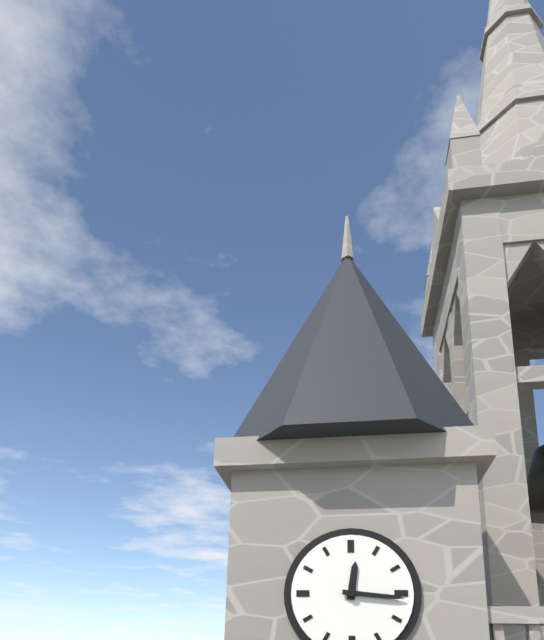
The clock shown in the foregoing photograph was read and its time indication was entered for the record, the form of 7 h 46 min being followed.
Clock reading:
12 h 16 min
